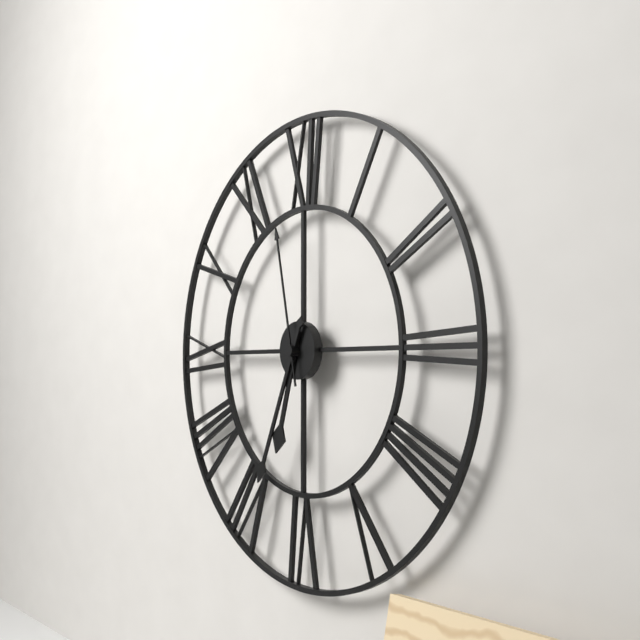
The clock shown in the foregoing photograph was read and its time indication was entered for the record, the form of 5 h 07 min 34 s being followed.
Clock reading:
6 h 34 min 58 s
